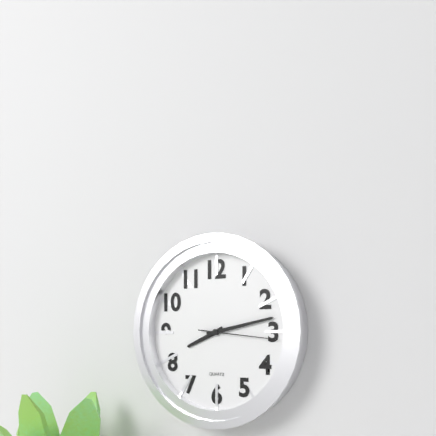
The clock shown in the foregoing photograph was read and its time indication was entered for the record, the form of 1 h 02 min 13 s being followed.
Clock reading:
8 h 13 min 16 s
